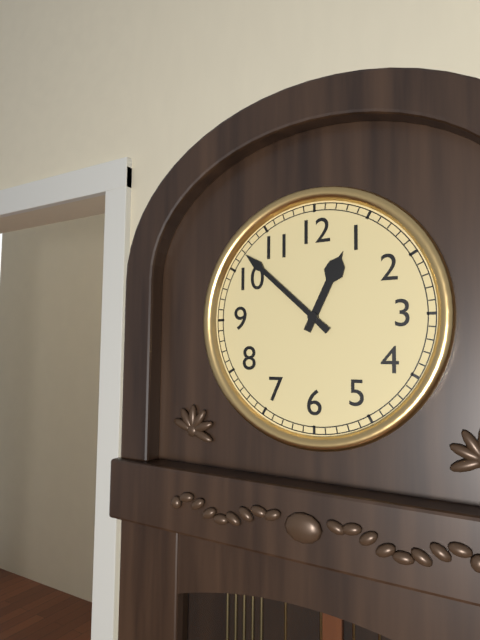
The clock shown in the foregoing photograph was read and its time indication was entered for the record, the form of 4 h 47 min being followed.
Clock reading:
12 h 52 min
